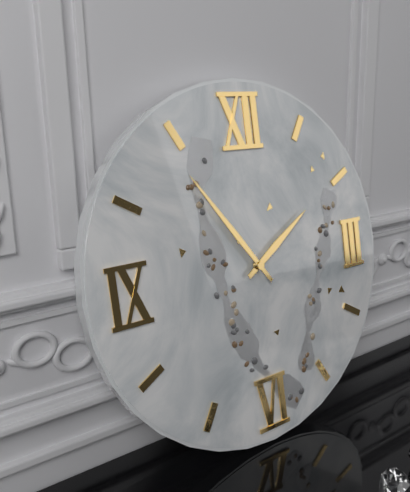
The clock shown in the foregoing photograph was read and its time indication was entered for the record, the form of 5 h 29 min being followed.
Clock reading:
1 h 54 min
